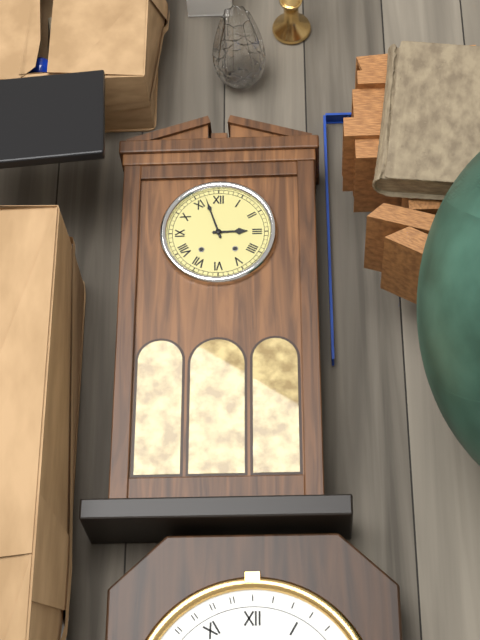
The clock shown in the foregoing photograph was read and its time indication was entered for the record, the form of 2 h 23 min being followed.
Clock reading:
2 h 57 min
